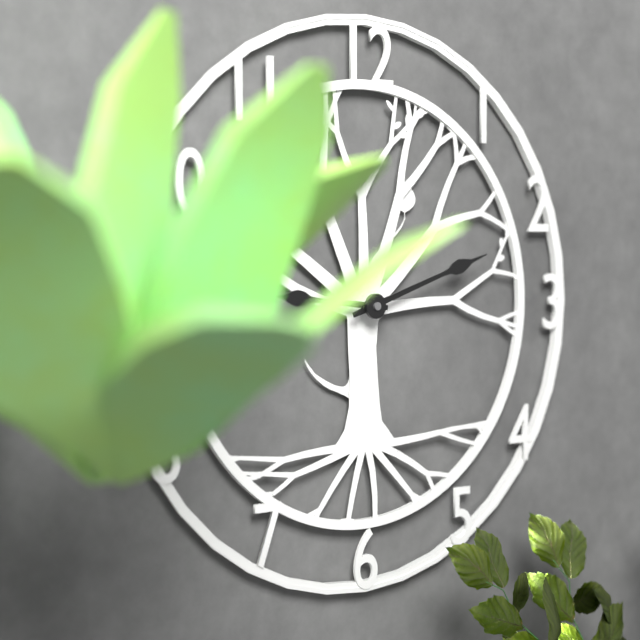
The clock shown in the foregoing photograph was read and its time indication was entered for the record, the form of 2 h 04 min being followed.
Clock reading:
9 h 12 min
